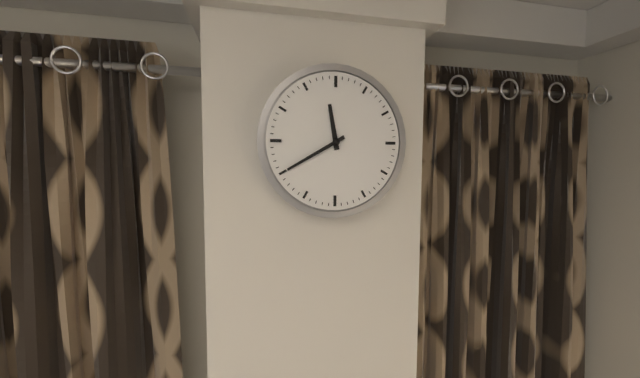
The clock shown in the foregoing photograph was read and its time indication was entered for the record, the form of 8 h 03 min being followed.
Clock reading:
11 h 40 min
